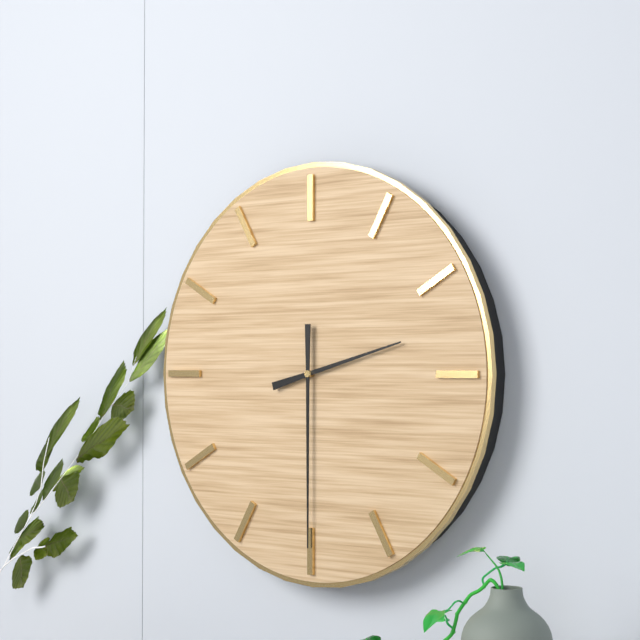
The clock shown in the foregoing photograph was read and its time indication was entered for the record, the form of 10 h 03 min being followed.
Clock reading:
2 h 30 min
